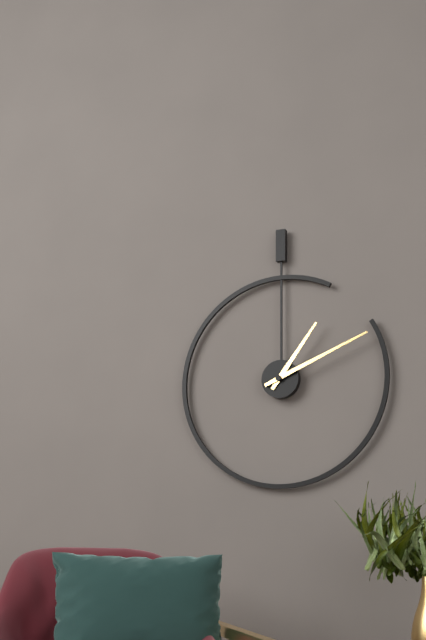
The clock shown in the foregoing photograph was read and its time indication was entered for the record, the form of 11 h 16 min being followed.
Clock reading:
1 h 11 min
